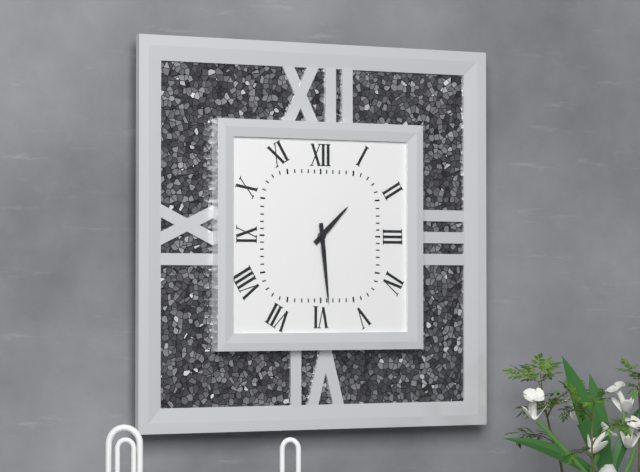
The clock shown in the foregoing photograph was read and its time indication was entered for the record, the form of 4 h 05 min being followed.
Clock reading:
1 h 29 min
